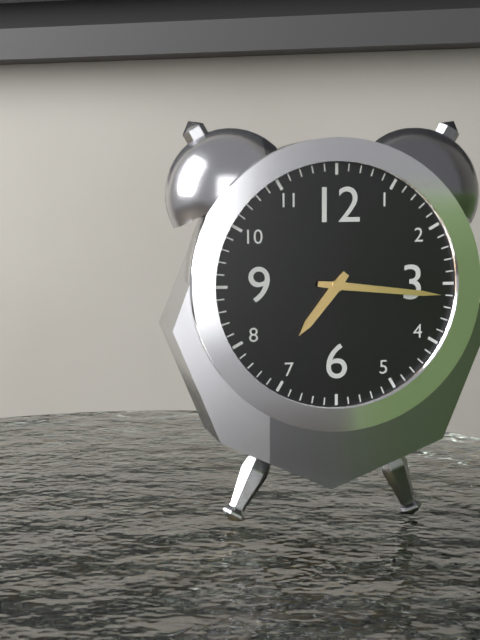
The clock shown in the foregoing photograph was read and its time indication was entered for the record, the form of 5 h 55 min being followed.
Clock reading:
7 h 16 min
